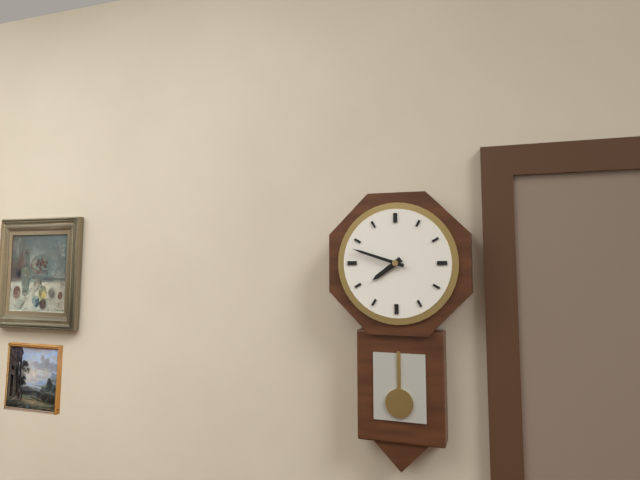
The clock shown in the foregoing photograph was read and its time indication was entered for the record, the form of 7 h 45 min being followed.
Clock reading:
7 h 48 min
